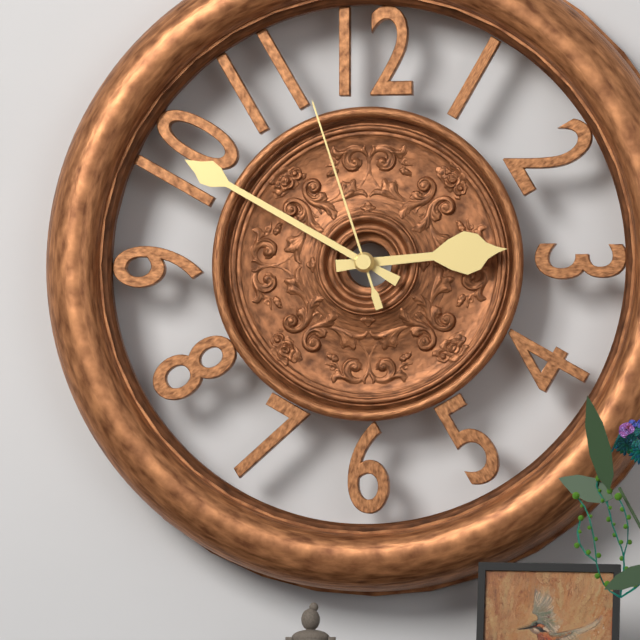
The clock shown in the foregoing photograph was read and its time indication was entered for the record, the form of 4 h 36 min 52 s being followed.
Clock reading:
2 h 50 min 57 s
